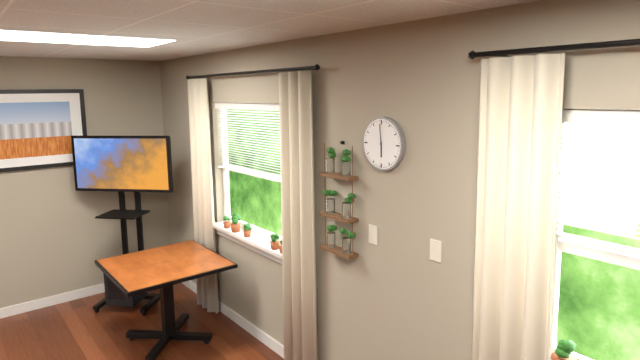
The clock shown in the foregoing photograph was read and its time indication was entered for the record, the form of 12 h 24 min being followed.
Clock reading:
5 h 59 min
